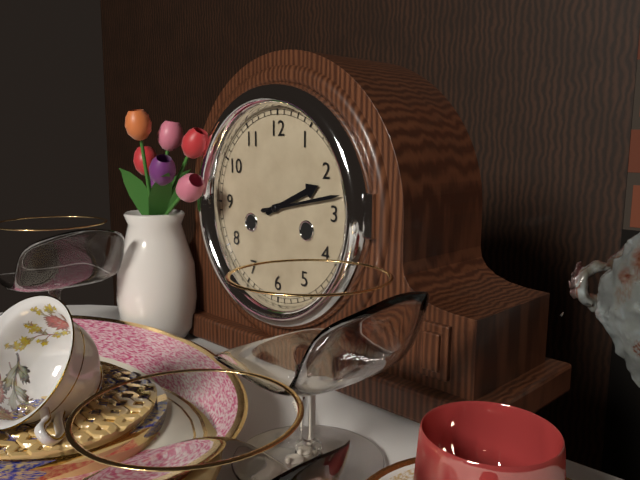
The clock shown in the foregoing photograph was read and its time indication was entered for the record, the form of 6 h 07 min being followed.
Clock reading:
2 h 13 min
